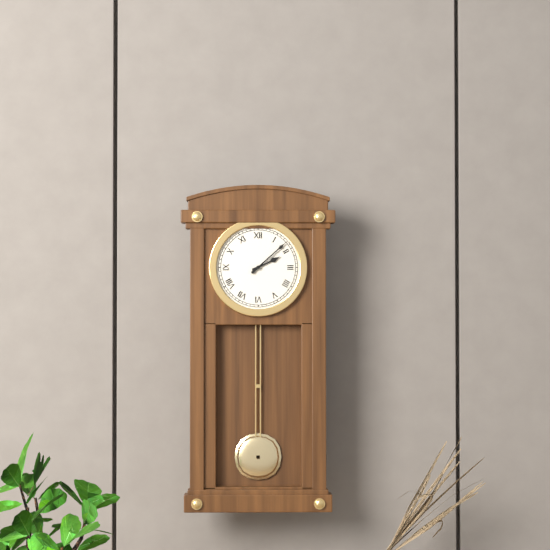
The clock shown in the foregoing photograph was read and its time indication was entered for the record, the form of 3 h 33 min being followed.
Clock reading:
2 h 08 min
